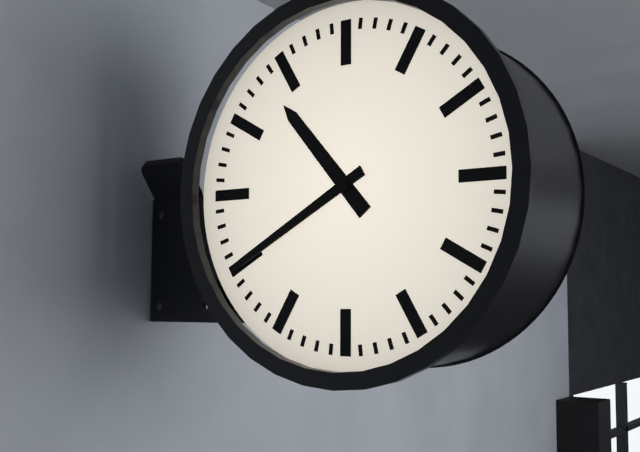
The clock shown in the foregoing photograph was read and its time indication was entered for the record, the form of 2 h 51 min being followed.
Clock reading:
10 h 40 min
